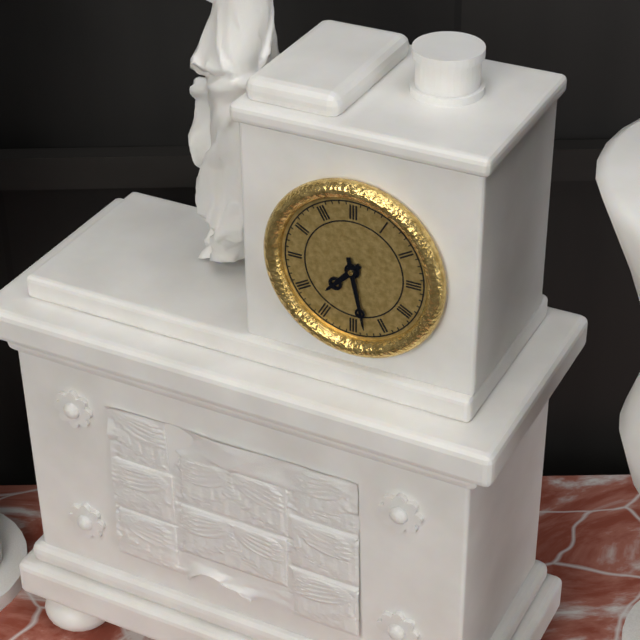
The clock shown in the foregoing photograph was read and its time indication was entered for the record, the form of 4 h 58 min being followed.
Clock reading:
7 h 28 min
